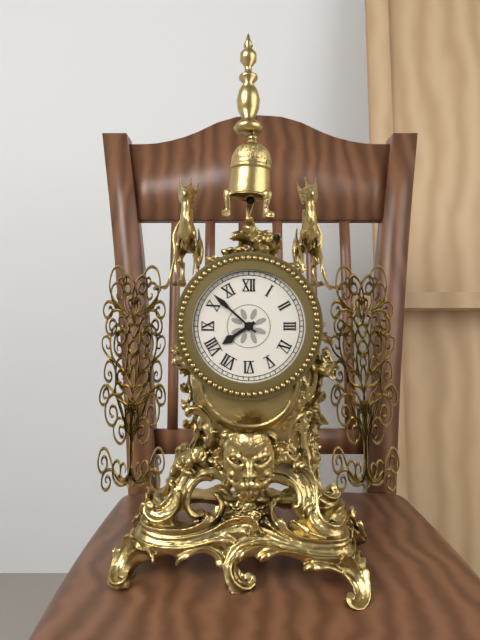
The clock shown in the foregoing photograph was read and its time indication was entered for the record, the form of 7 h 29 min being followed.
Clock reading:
7 h 52 min
